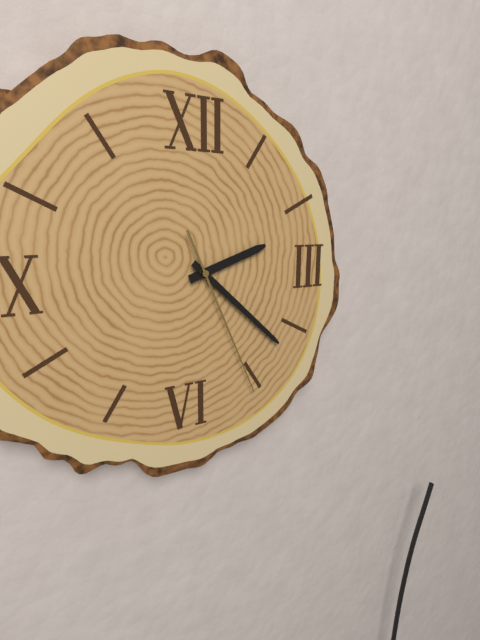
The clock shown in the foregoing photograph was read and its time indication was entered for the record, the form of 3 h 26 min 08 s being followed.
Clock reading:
2 h 22 min 26 s
